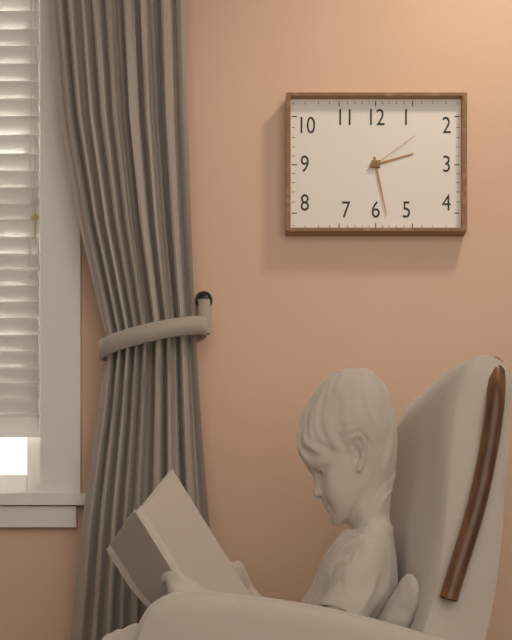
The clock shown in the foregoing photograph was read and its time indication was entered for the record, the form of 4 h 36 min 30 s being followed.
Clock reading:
2 h 28 min 09 s
